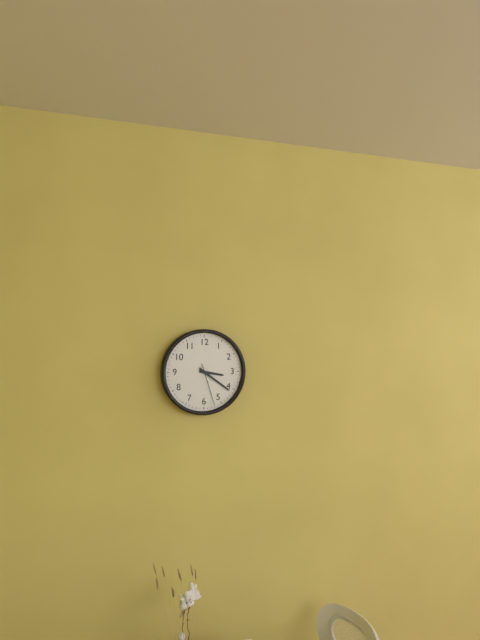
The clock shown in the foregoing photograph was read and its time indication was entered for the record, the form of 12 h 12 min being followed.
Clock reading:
3 h 21 min
